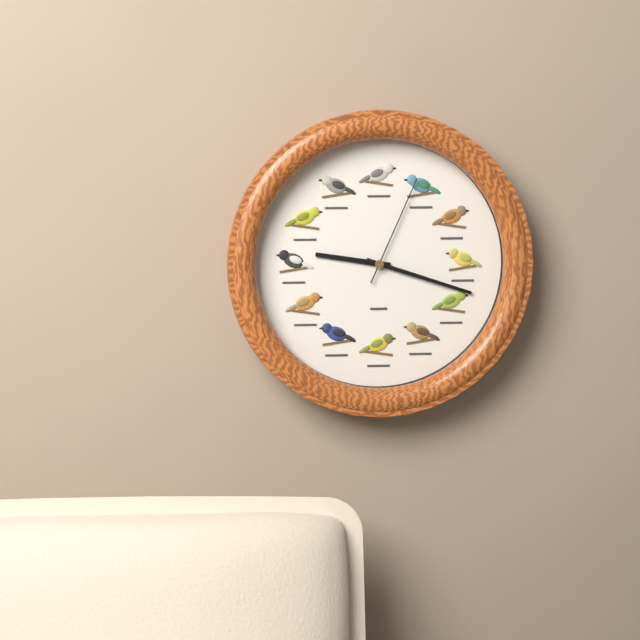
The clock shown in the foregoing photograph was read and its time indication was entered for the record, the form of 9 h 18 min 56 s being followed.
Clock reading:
9 h 18 min 04 s
